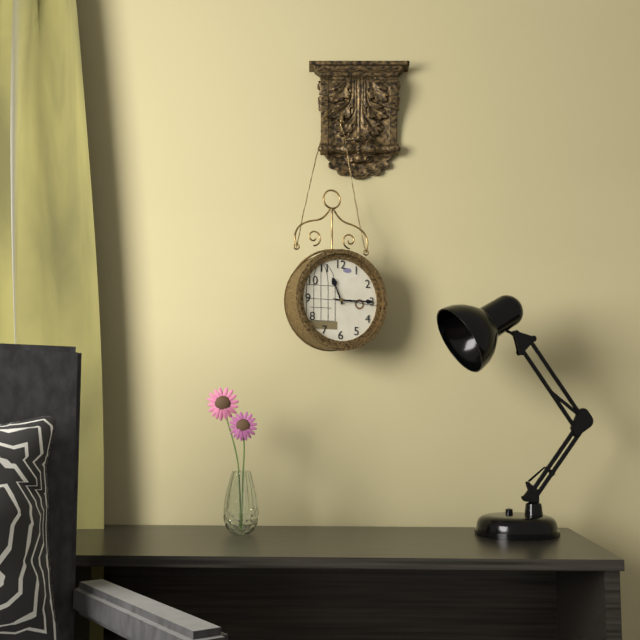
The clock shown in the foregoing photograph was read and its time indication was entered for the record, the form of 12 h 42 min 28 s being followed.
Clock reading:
11 h 15 min 16 s
